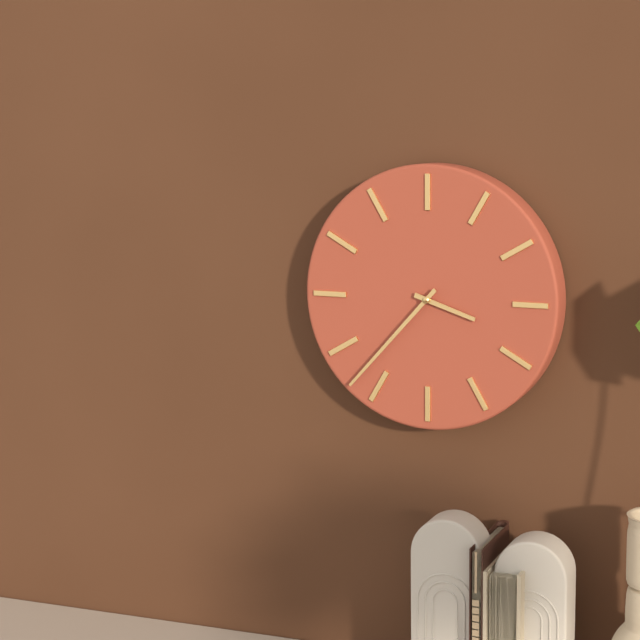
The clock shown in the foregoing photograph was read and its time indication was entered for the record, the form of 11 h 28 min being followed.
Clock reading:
3 h 37 min
